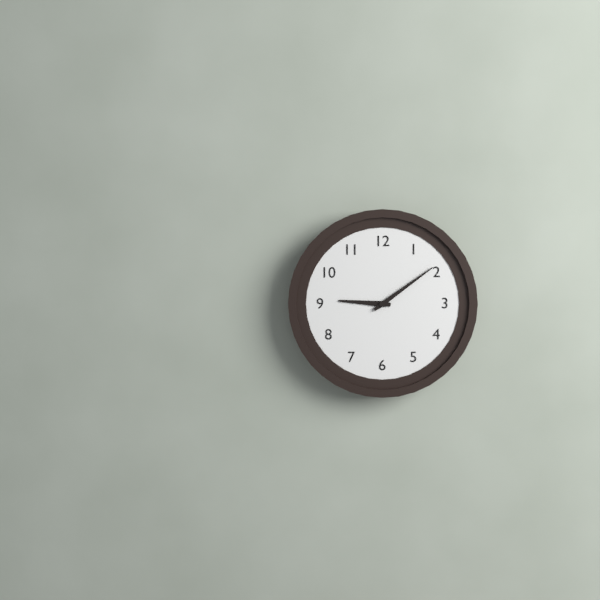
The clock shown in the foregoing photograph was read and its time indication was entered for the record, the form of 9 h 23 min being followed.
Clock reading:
9 h 09 min
